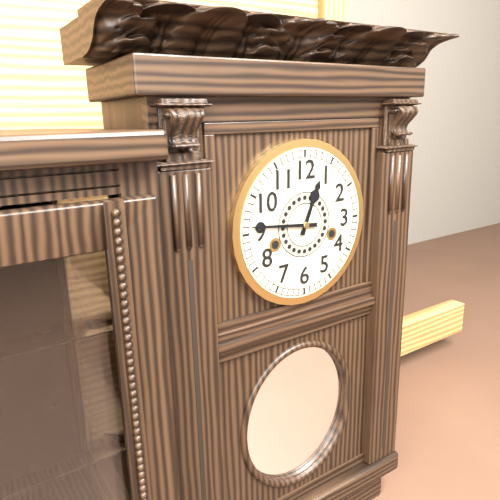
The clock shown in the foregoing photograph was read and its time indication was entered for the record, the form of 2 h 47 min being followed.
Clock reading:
12 h 46 min
